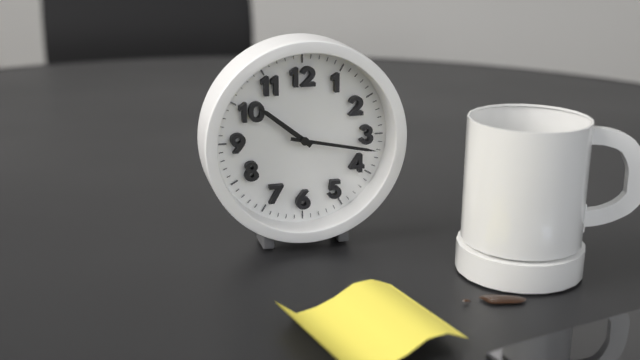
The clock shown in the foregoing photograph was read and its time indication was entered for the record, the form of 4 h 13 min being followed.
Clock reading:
10 h 17 min
